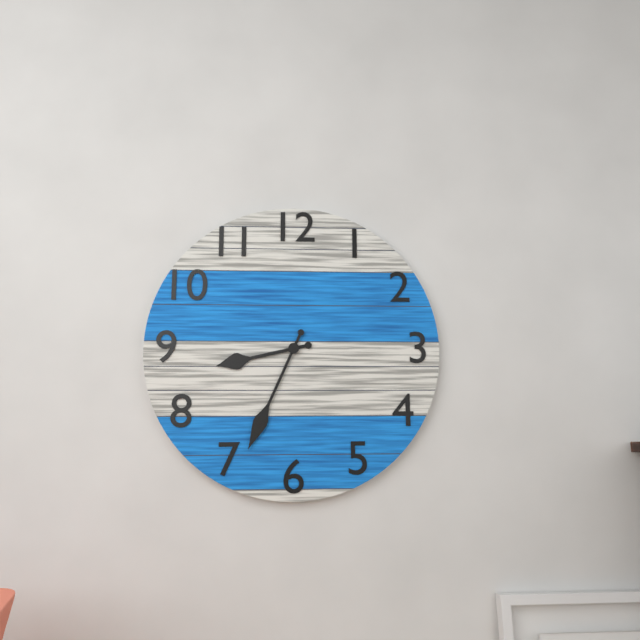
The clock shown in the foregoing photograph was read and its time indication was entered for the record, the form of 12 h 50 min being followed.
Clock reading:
8 h 34 min
